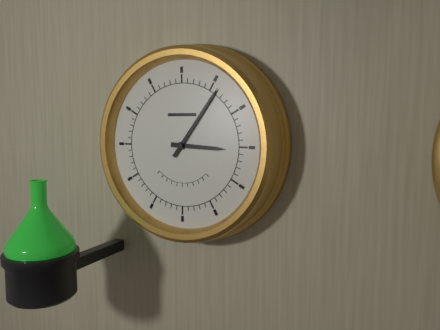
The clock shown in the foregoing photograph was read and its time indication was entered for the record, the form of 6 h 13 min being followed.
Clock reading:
3 h 06 min
